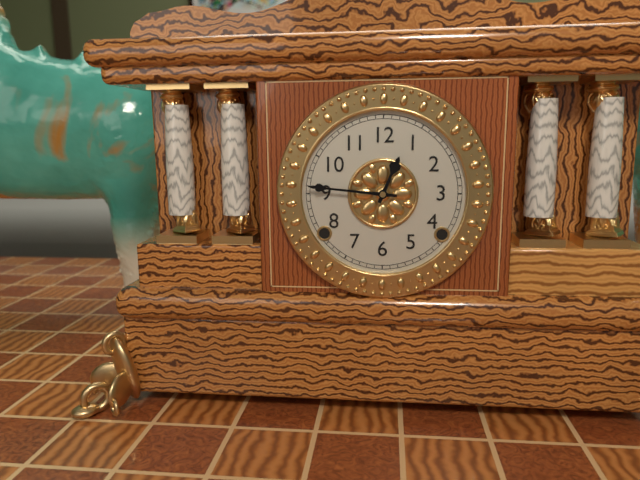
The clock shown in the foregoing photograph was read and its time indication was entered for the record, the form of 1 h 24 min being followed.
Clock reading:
12 h 46 min
